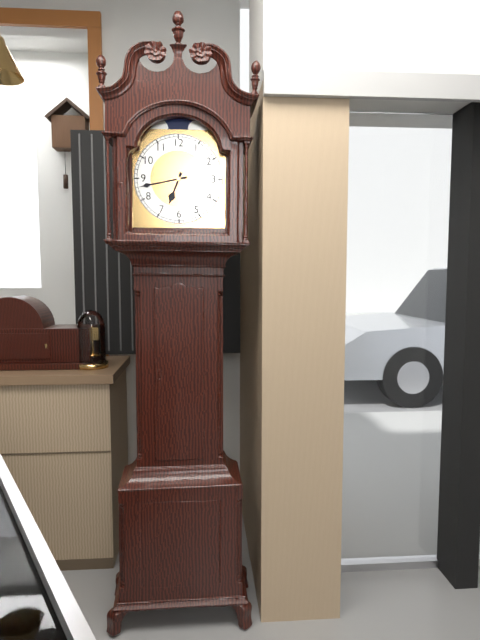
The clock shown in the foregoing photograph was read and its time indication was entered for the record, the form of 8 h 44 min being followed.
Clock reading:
6 h 43 min
